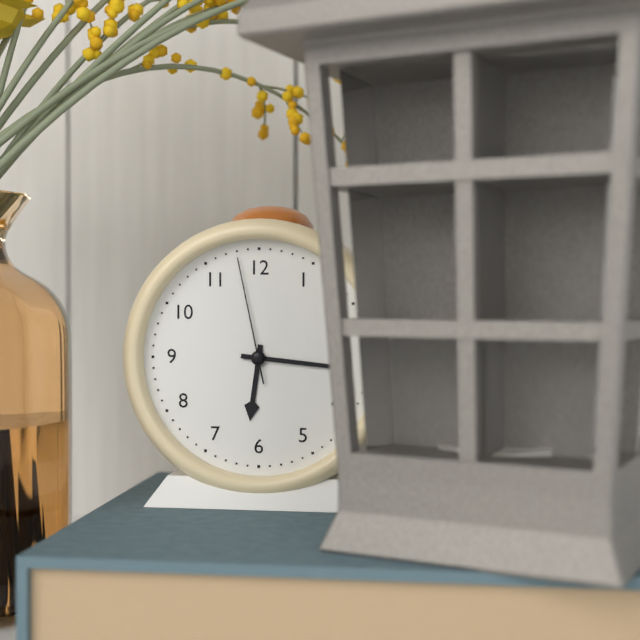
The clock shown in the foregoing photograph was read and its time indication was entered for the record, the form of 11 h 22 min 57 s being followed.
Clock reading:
6 h 16 min 58 s
